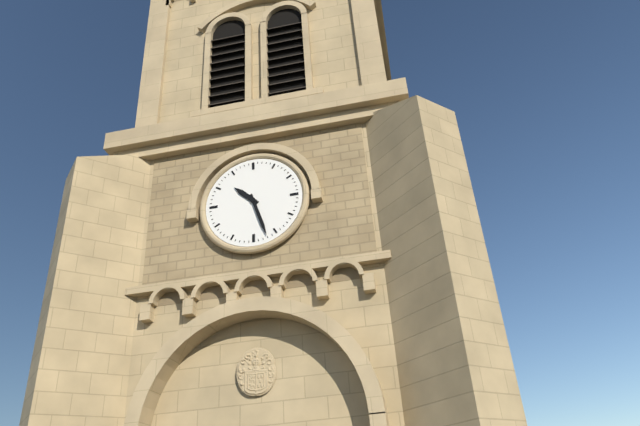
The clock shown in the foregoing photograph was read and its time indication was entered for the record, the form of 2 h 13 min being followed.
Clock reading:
10 h 27 min
